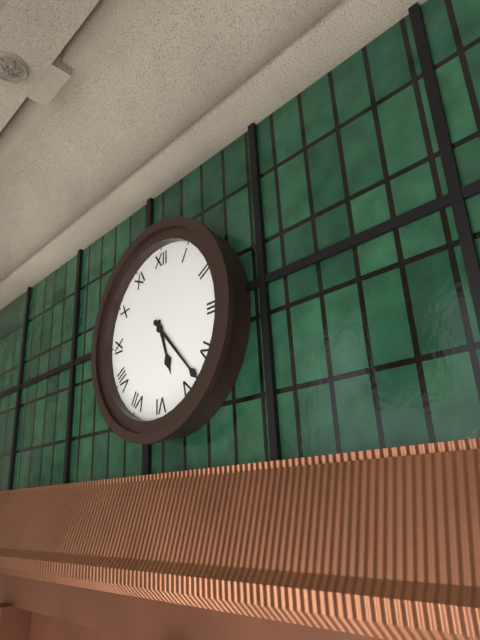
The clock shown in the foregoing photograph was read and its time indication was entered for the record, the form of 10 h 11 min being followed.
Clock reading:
5 h 23 min
